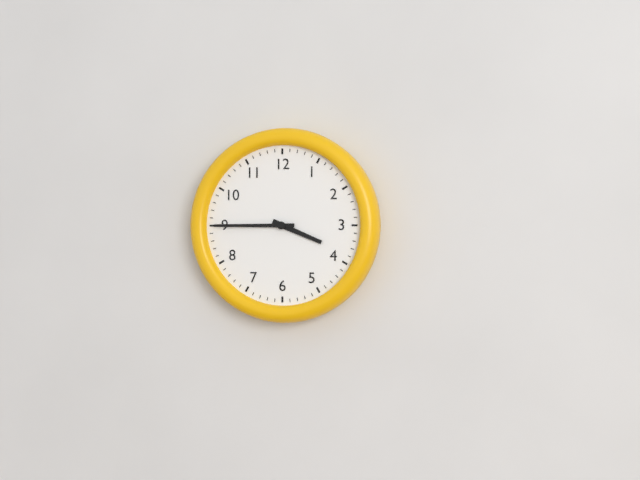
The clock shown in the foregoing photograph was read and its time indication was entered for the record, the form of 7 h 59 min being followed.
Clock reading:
3 h 45 min
